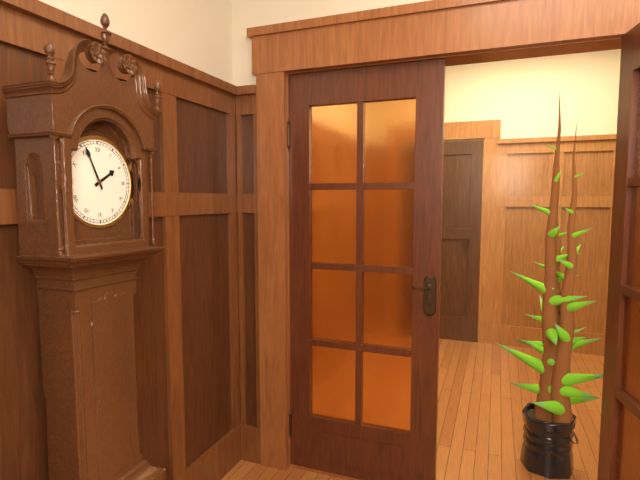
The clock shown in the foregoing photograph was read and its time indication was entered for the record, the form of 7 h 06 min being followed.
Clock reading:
1 h 56 min
